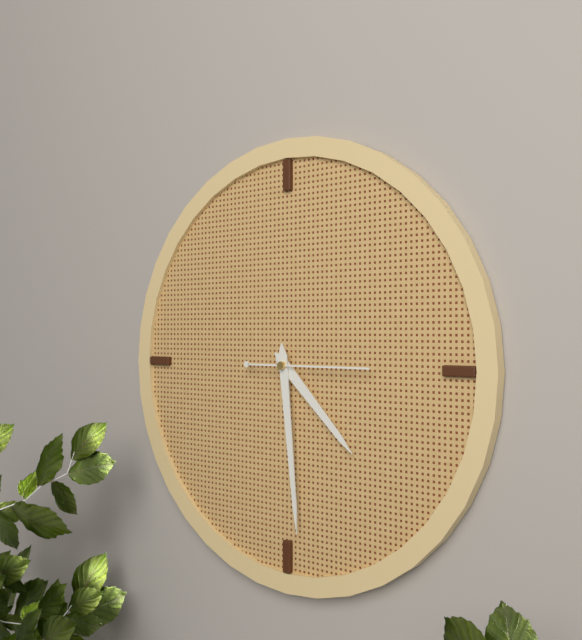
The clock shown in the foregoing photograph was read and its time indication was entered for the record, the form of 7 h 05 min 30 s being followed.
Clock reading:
4 h 29 min 15 s
